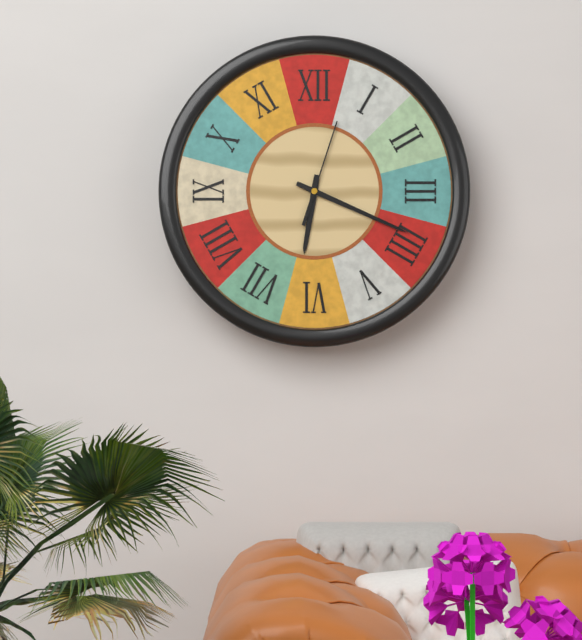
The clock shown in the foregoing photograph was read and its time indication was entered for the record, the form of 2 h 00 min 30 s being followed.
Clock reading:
6 h 19 min 03 s
